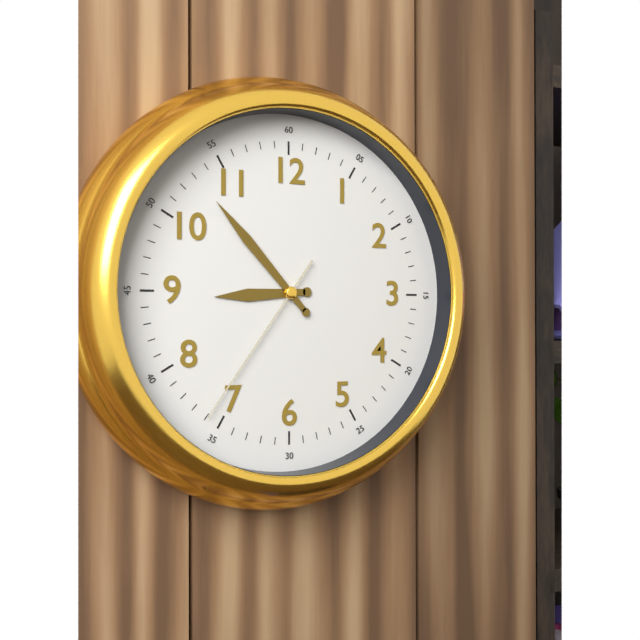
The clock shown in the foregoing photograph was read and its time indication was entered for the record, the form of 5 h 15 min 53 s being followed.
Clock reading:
8 h 53 min 36 s
